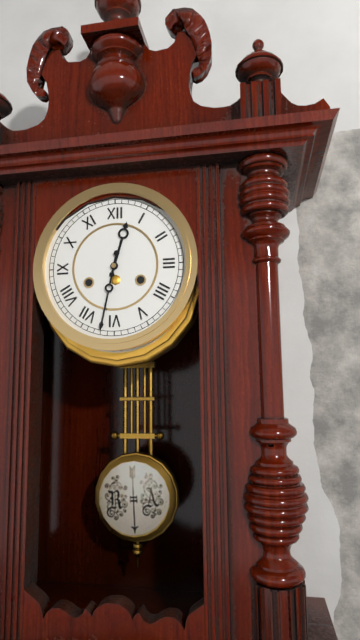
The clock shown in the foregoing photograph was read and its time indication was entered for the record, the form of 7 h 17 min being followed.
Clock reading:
12 h 32 min
